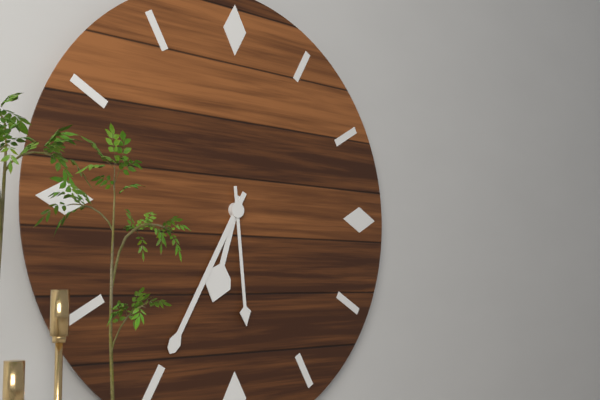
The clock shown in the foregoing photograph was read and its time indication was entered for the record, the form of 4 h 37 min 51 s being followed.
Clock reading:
6 h 35 min 29 s
